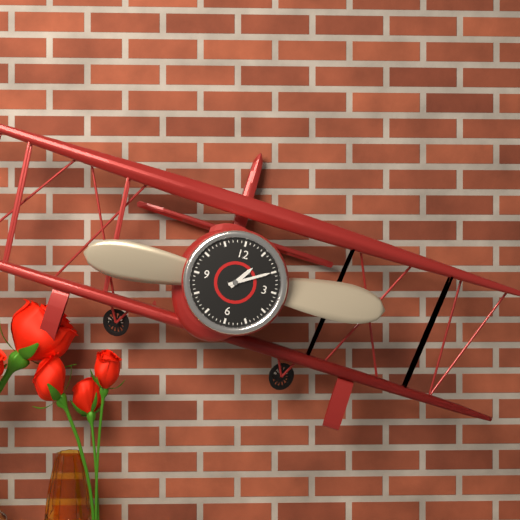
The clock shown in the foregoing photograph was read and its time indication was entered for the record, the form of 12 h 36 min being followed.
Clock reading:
1 h 10 min
